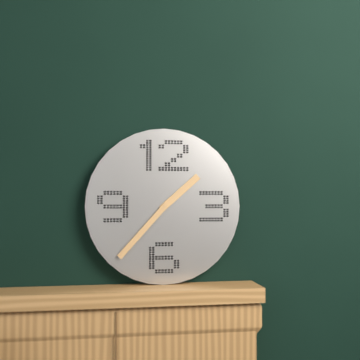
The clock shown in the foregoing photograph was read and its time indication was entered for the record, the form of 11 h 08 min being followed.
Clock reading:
1 h 37 min
